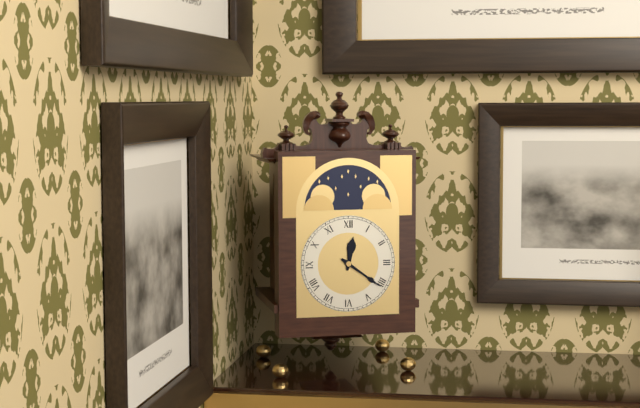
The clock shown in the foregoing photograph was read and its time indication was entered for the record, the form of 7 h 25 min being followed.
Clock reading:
12 h 21 min
